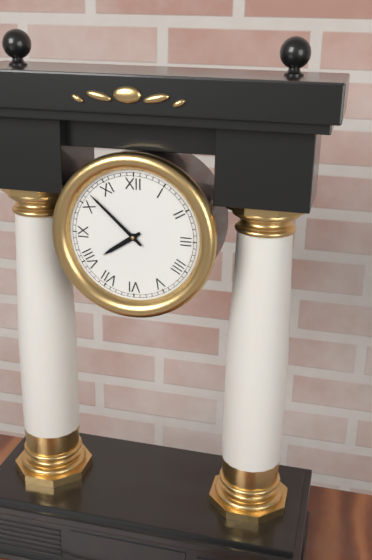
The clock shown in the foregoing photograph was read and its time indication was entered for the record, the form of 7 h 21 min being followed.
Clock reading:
7 h 52 min
